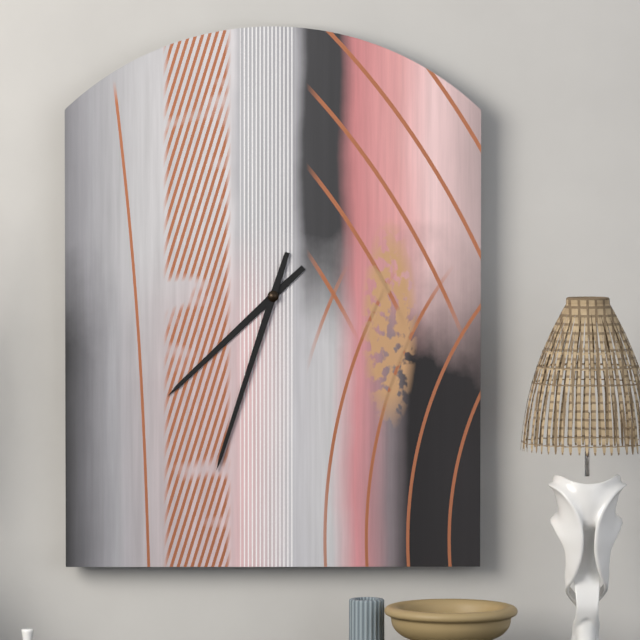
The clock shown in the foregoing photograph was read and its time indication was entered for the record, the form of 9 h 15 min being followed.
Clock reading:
7 h 33 min
